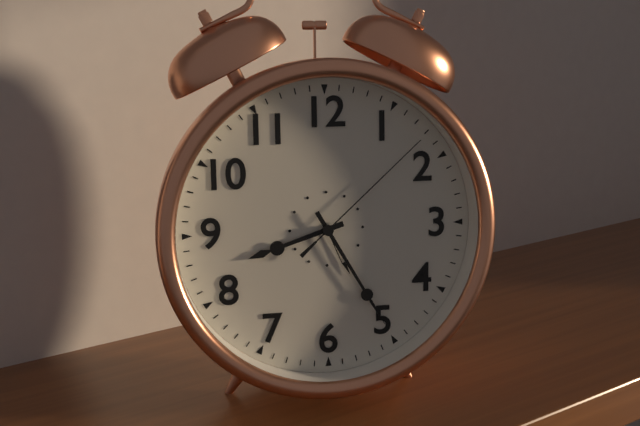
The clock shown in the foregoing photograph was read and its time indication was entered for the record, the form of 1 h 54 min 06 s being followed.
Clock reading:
8 h 25 min 08 s
